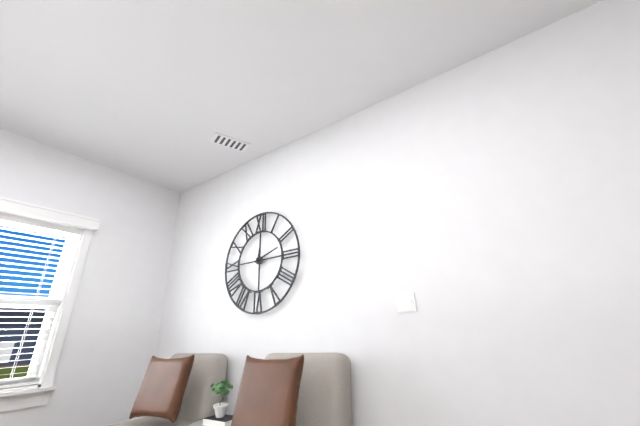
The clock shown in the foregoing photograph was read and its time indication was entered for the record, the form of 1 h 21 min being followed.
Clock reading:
12 h 12 min
